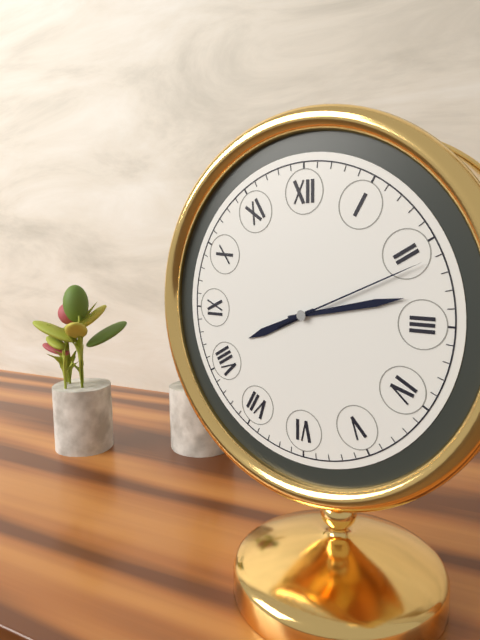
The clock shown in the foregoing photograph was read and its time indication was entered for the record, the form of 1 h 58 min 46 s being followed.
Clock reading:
8 h 13 min 11 s
